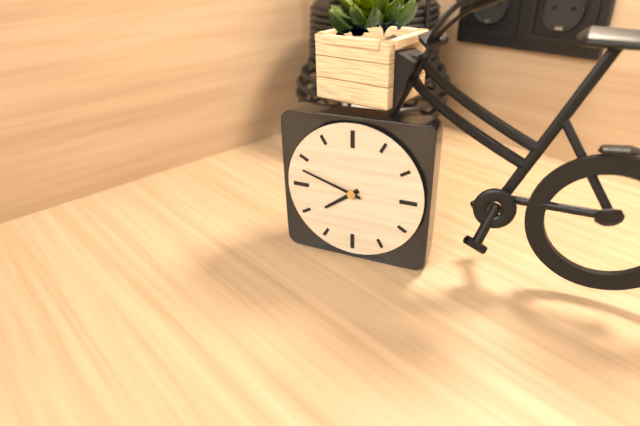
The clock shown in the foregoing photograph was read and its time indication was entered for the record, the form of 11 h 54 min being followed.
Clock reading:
7 h 48 min
